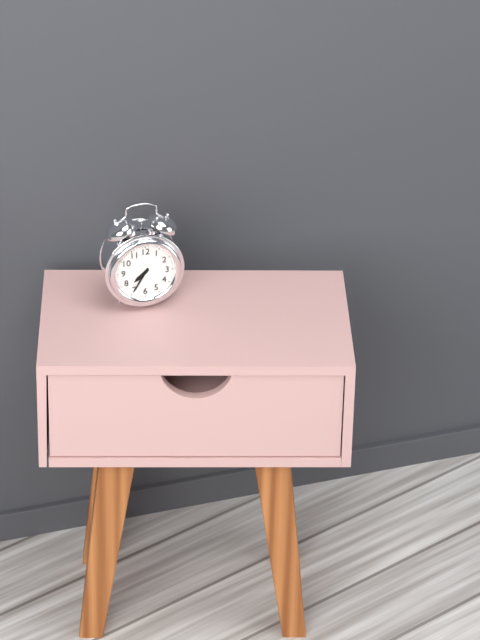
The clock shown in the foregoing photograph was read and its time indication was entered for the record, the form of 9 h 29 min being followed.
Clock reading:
7 h 35 min
